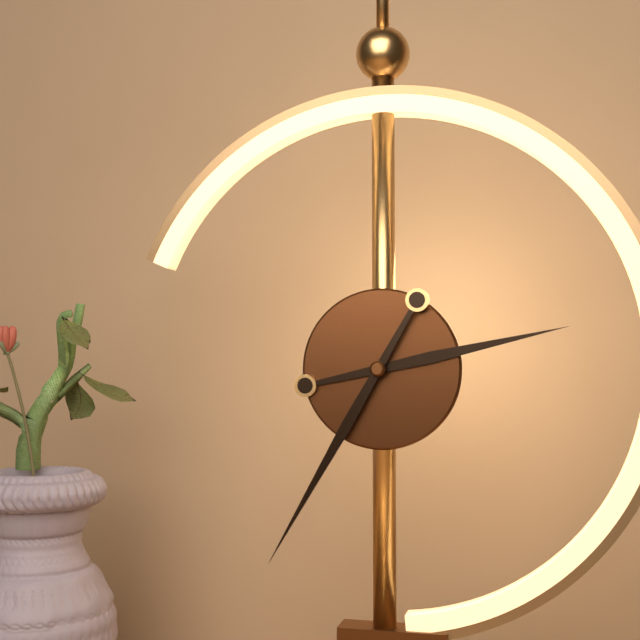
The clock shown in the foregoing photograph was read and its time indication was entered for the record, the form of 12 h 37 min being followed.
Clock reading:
2 h 35 min
